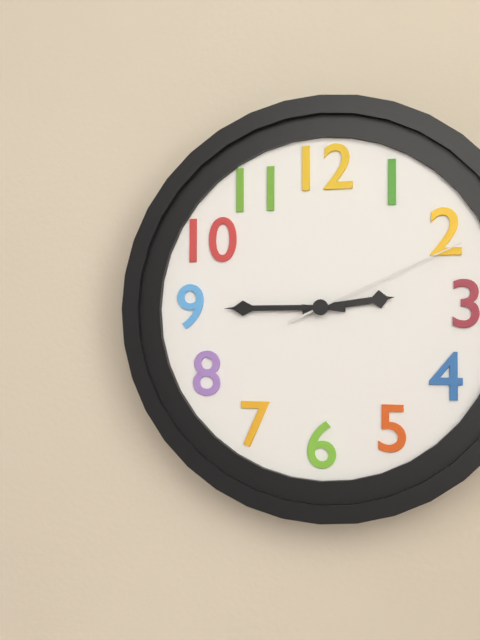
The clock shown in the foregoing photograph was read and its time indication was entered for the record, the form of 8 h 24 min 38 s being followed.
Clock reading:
2 h 45 min 11 s
